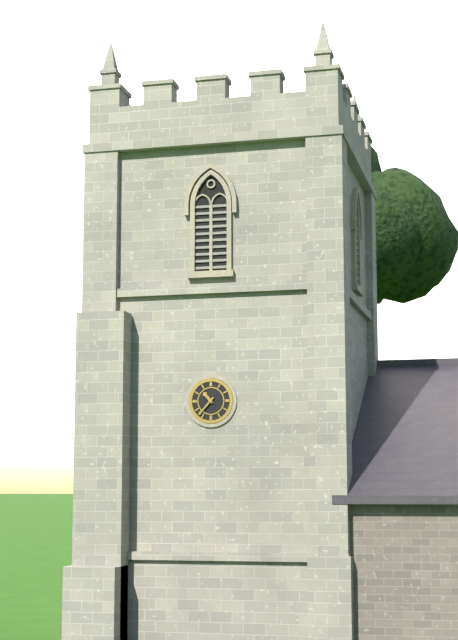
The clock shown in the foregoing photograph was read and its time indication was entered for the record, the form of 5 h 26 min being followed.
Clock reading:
10 h 37 min
